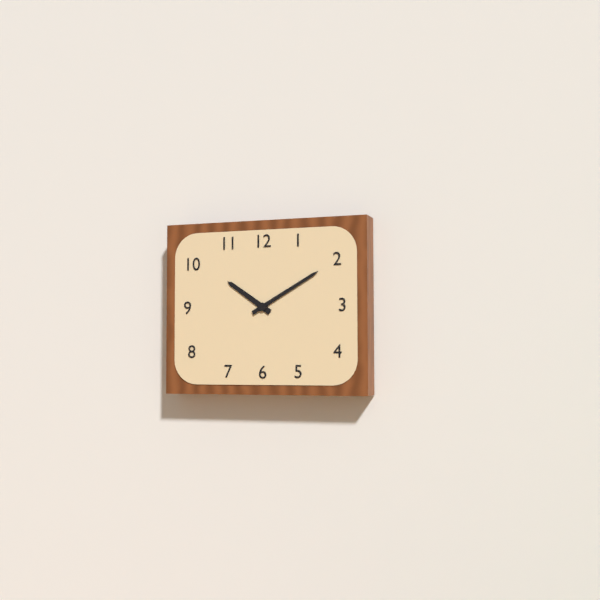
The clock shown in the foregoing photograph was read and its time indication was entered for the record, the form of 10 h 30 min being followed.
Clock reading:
10 h 10 min
